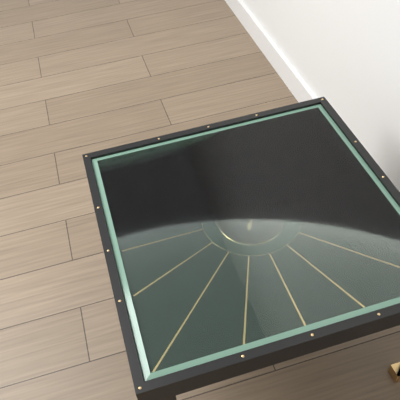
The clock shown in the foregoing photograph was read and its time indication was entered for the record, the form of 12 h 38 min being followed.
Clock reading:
4 h 01 min
